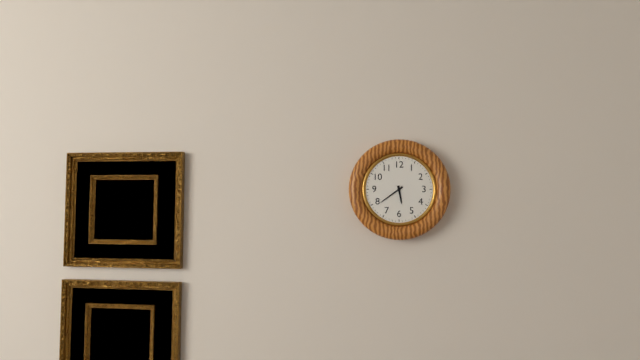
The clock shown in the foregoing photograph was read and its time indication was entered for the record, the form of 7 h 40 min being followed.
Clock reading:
5 h 39 min
